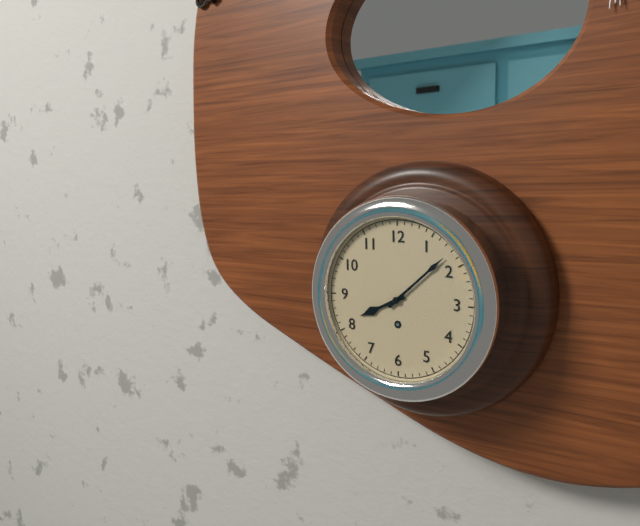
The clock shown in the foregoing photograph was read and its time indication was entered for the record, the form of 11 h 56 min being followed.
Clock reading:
8 h 08 min
